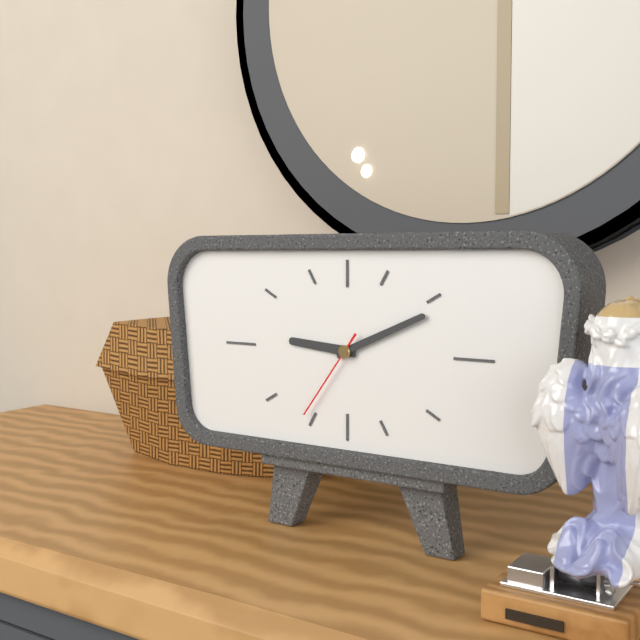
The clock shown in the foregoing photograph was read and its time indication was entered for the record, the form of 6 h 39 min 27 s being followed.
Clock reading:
9 h 11 min 36 s
